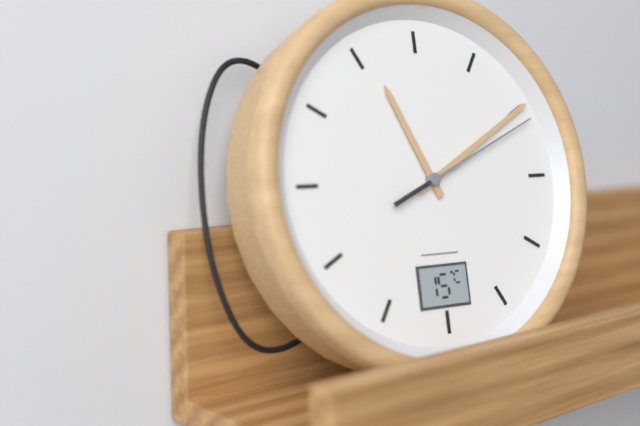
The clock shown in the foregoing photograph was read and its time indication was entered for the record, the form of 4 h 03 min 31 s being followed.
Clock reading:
11 h 10 min 11 s
